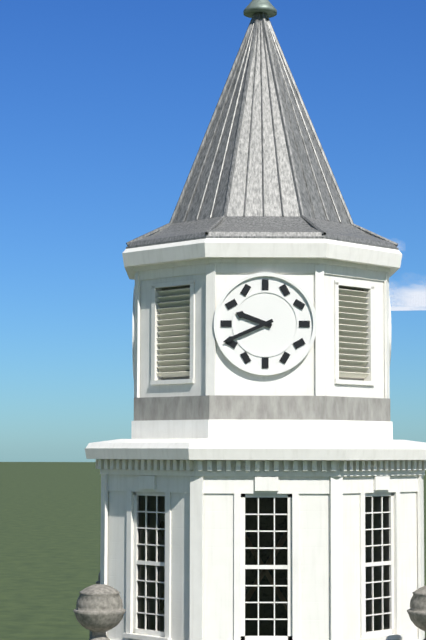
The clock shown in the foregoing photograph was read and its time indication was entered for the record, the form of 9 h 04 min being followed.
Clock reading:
9 h 41 min
